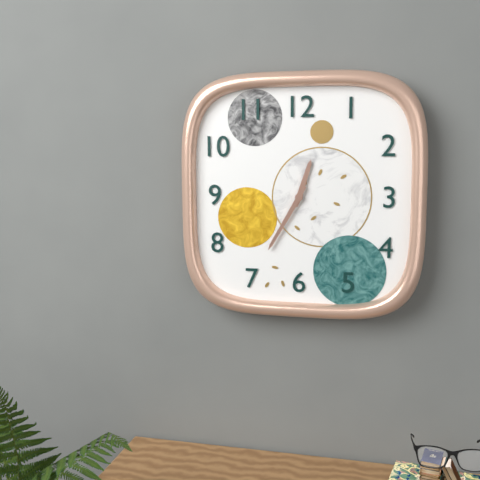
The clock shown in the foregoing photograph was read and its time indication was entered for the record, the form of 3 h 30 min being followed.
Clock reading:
12 h 35 min
